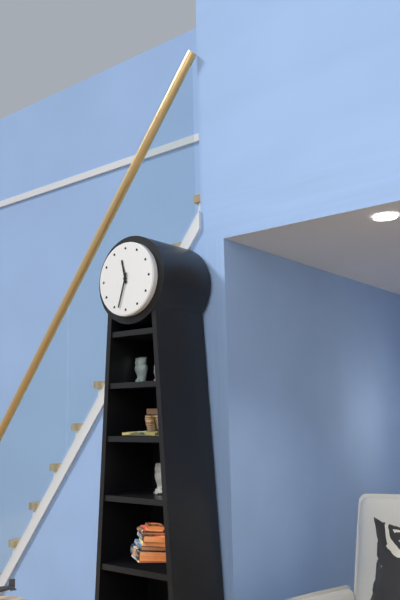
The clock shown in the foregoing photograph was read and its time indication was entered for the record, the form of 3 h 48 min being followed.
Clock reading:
11 h 33 min
